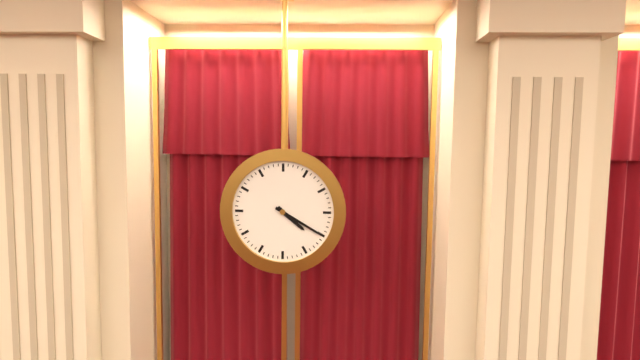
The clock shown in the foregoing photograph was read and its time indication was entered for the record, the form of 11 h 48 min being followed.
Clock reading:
4 h 20 min
